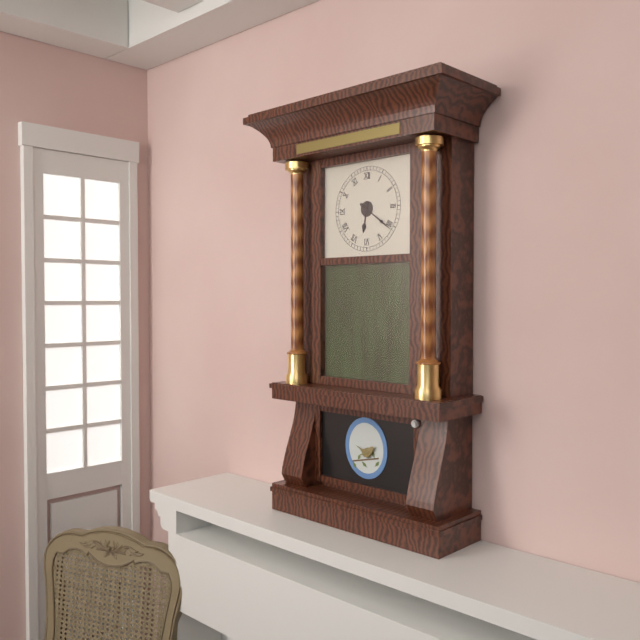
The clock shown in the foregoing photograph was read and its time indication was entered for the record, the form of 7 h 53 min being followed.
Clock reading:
6 h 21 min
